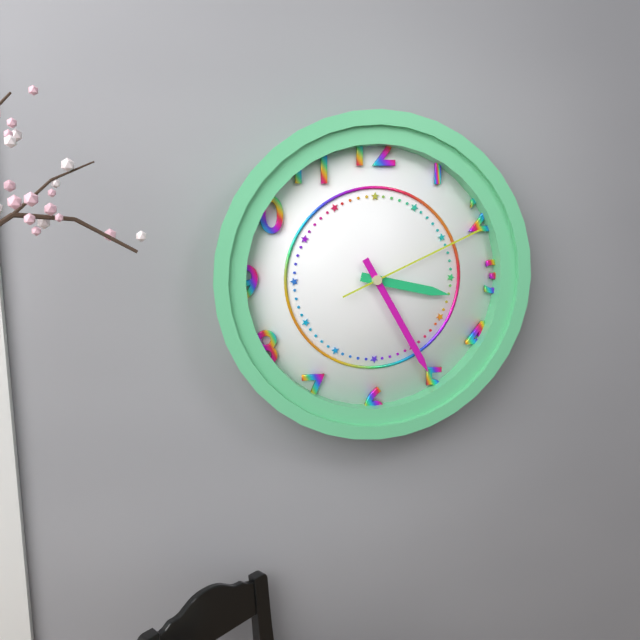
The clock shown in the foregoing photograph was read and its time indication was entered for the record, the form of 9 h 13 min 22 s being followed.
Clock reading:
3 h 25 min 11 s
